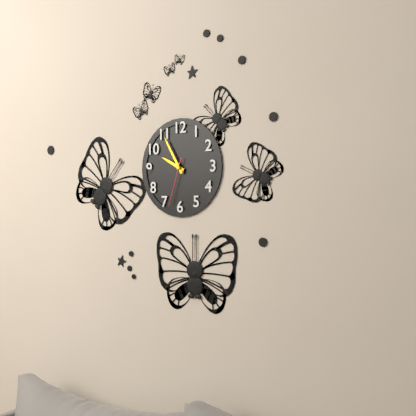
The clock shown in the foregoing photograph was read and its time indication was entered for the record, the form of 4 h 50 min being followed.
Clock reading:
9 h 55 min
